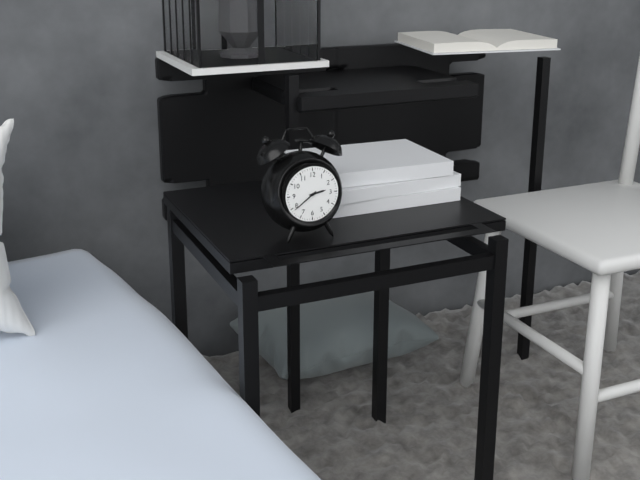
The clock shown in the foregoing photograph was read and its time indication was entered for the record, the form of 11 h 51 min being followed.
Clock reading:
2 h 39 min
